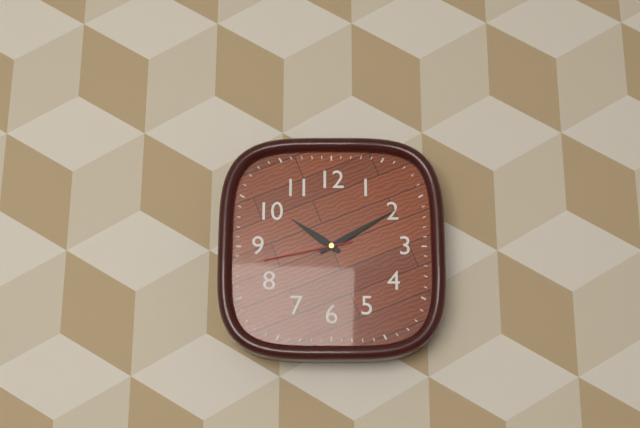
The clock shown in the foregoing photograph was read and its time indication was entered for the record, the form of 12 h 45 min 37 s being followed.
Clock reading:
10 h 10 min 43 s
